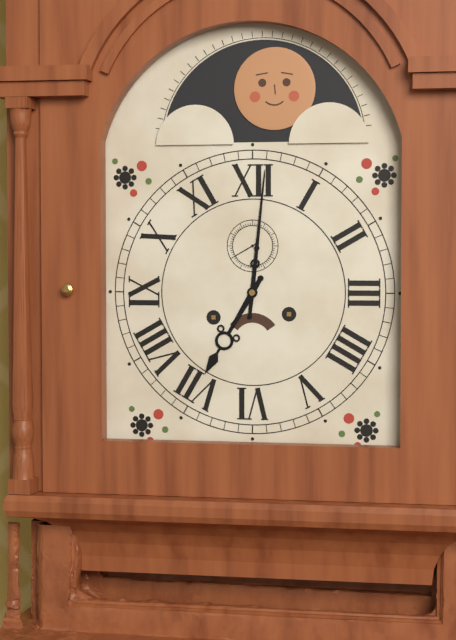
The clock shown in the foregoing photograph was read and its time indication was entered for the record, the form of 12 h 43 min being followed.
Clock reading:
7 h 01 min
